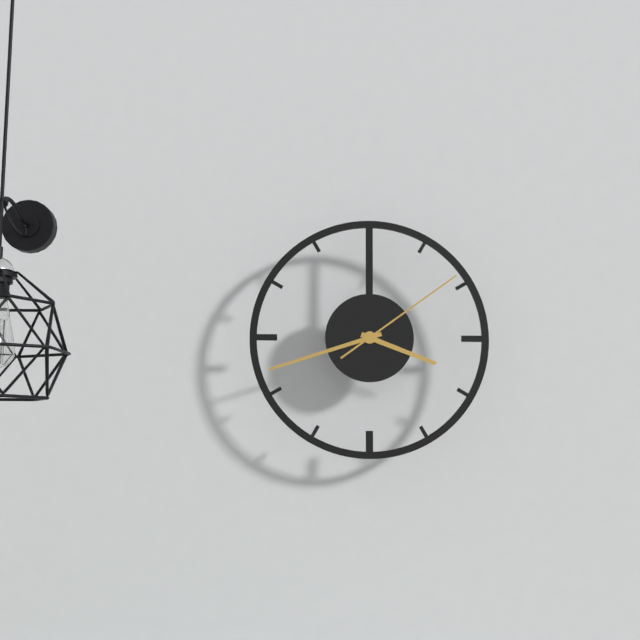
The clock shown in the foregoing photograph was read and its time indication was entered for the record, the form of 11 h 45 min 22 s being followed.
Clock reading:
3 h 42 min 09 s
